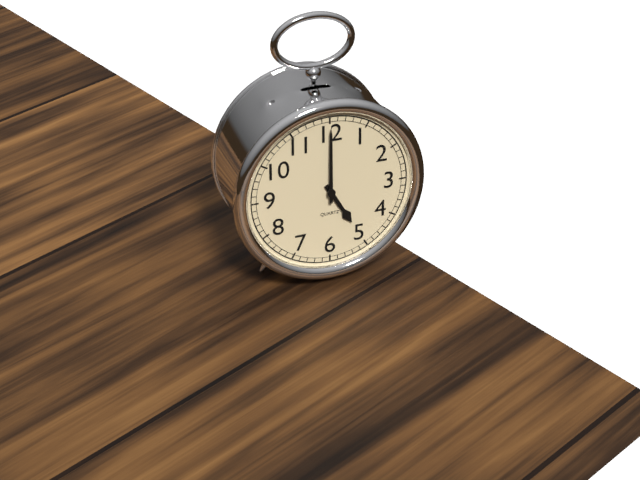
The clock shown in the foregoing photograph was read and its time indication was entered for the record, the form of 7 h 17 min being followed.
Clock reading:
5 h 00 min
